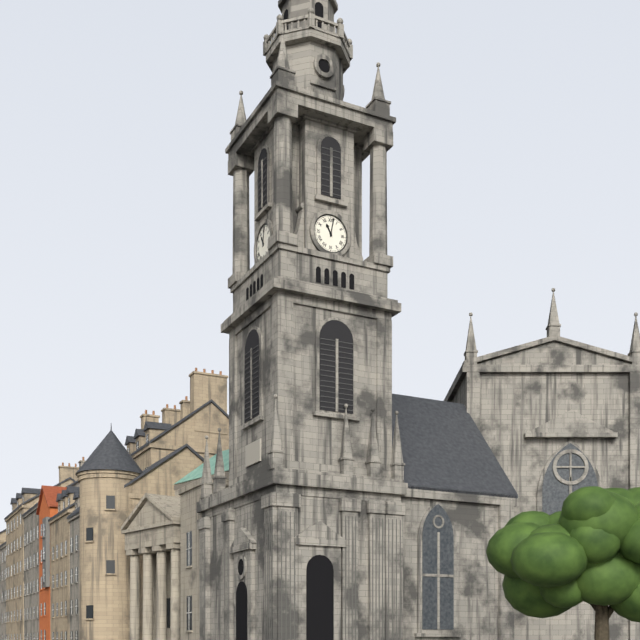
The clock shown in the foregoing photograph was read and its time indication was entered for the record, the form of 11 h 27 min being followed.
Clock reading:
11 h 02 min
